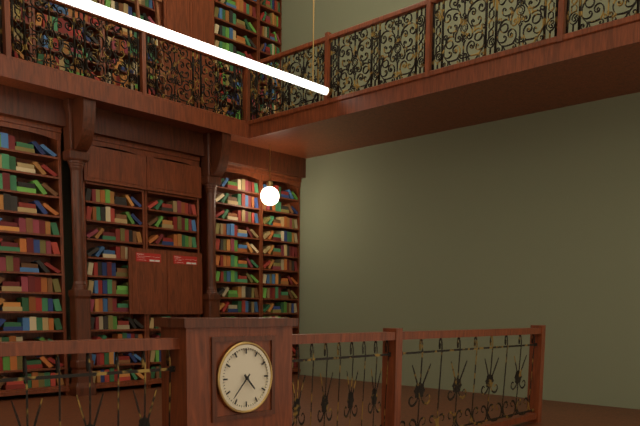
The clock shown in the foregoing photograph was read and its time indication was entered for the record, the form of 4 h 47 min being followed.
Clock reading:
4 h 37 min
